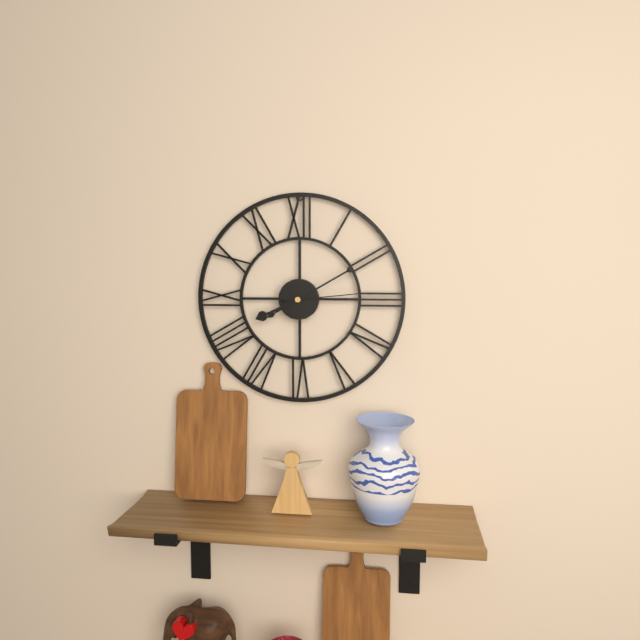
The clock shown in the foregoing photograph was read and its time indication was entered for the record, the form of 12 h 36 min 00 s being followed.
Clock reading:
8 h 10 min 14 s
